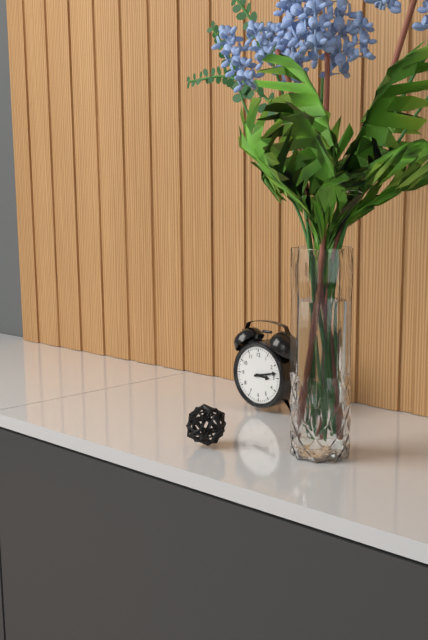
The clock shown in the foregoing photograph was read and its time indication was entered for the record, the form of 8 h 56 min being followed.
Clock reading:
3 h 13 min
